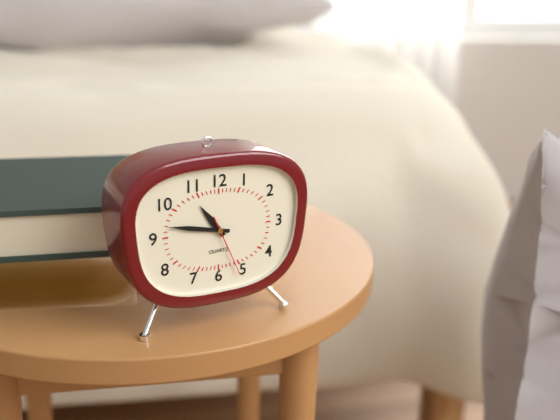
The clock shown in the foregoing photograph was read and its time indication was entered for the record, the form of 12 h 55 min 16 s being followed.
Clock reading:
10 h 47 min 26 s
